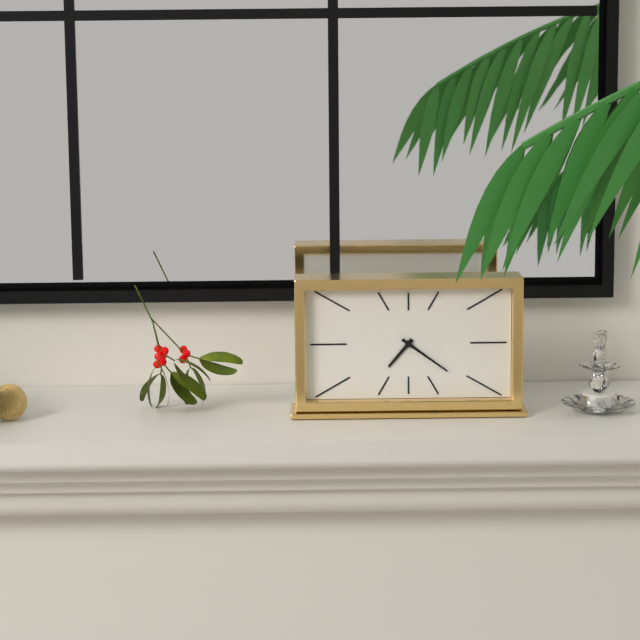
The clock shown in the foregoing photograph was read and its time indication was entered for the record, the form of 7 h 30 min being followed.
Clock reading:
7 h 21 min
